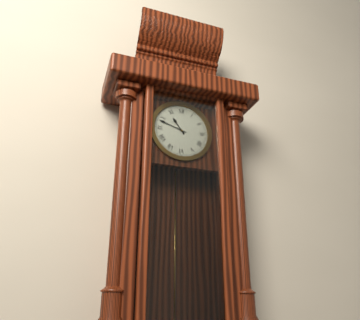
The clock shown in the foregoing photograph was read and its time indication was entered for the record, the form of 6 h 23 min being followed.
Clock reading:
10 h 48 min
